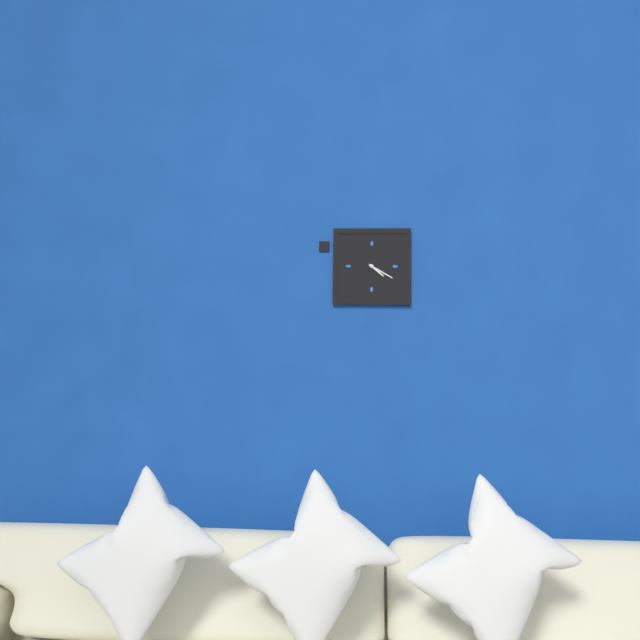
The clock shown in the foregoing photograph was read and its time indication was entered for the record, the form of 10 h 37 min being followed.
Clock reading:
4 h 20 min
